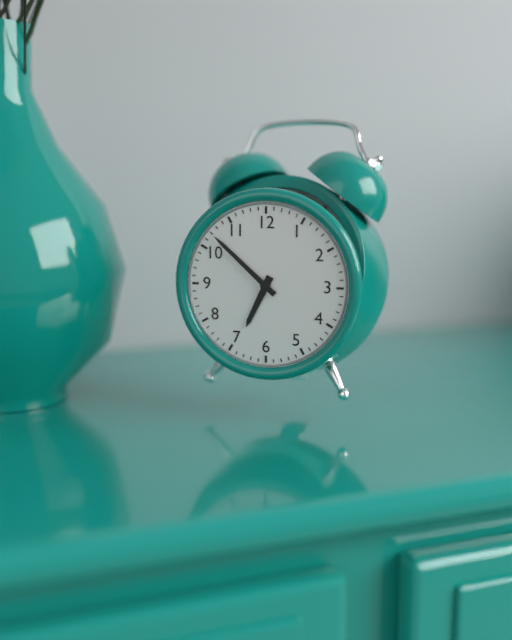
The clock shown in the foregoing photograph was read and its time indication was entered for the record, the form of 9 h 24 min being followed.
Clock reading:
6 h 52 min
